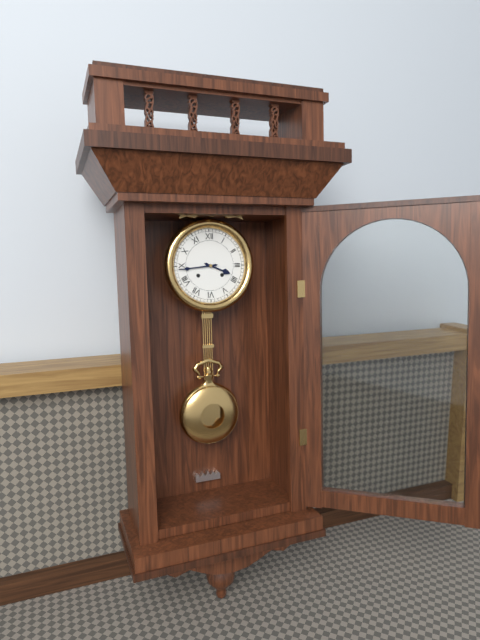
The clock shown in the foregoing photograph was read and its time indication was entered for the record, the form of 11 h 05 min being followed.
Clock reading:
3 h 44 min
